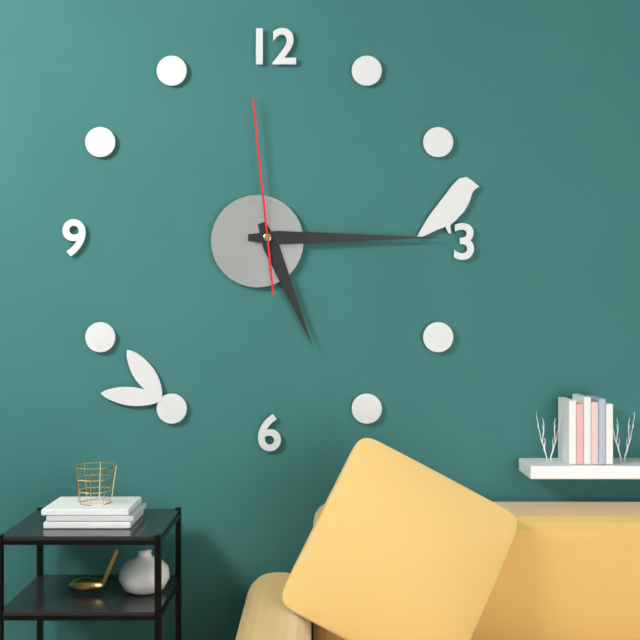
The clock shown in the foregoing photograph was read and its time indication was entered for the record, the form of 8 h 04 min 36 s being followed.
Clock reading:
5 h 15 min 59 s
